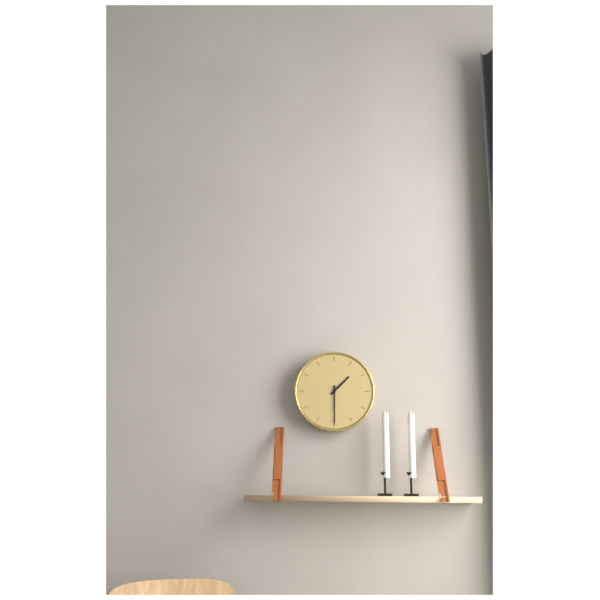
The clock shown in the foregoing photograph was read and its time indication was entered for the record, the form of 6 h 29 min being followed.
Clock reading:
1 h 30 min
